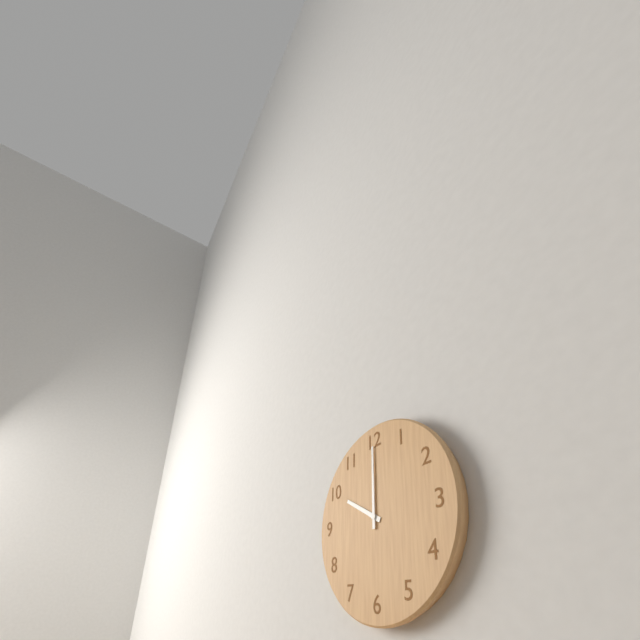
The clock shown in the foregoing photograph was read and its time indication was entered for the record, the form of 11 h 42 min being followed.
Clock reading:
10 h 00 min
